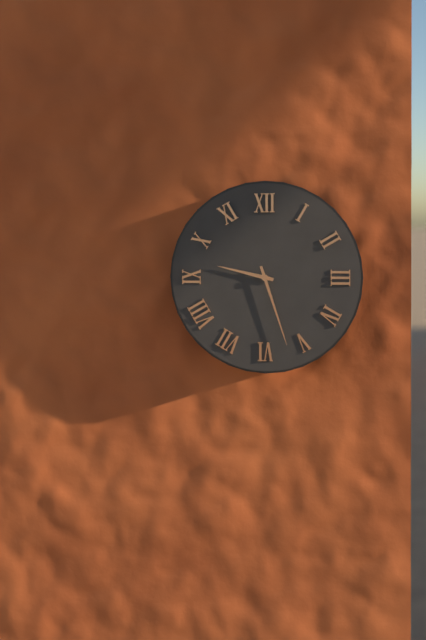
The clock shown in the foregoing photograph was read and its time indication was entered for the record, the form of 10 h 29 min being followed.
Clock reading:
9 h 27 min
